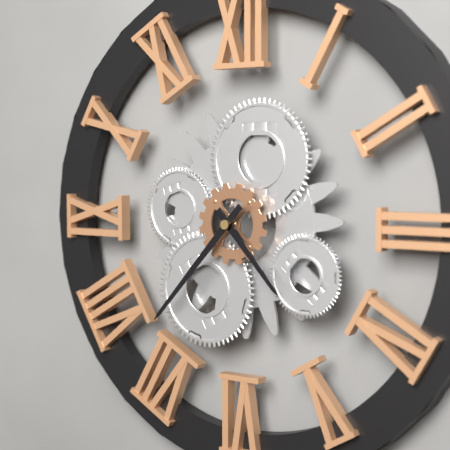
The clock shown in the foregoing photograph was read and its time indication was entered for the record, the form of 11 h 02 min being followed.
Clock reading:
4 h 37 min
